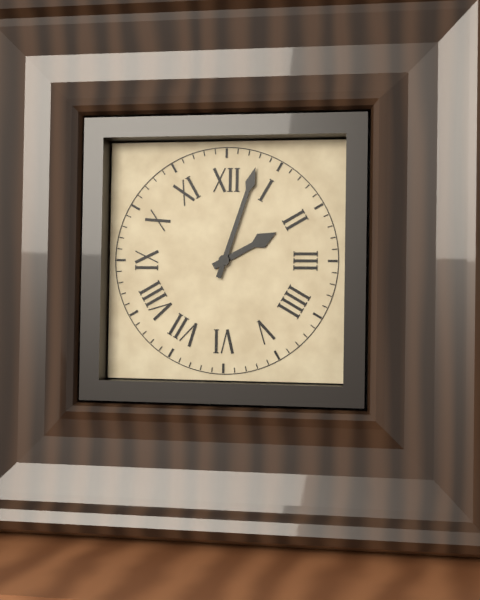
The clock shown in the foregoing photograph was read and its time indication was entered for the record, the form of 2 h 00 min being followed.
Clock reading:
2 h 03 min
